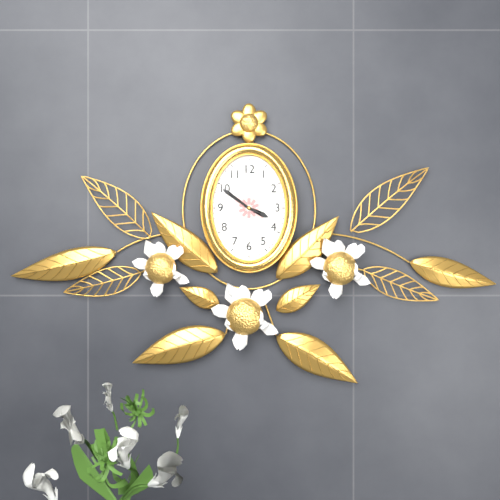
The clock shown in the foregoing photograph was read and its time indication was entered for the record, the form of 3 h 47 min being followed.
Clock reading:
3 h 51 min
